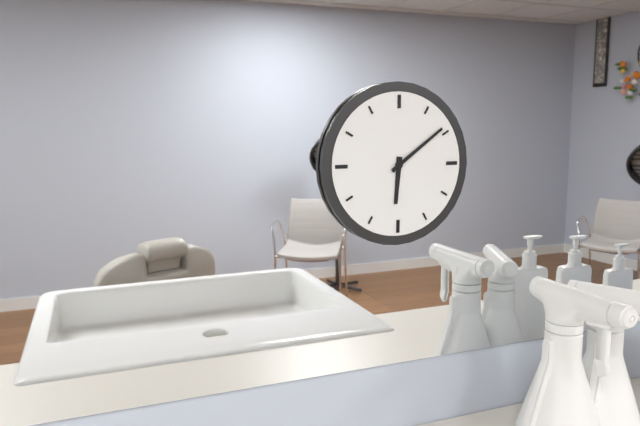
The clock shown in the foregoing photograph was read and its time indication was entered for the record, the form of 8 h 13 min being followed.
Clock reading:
6 h 09 min
